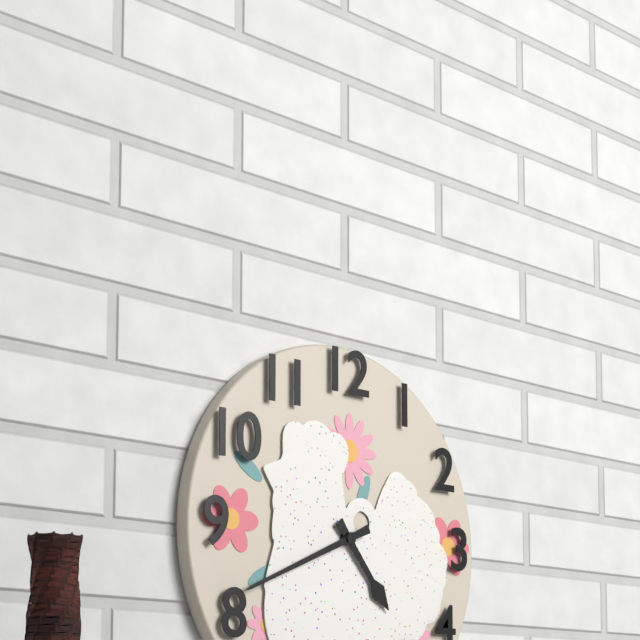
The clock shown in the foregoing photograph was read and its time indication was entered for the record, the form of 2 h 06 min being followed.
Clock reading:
4 h 41 min
